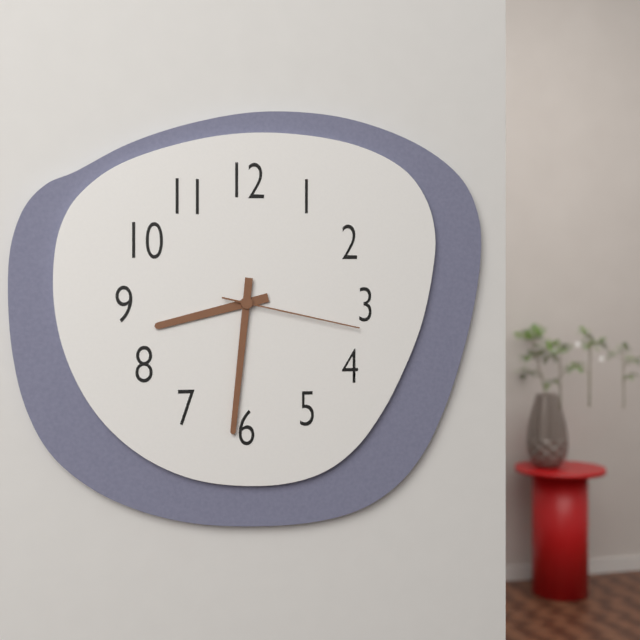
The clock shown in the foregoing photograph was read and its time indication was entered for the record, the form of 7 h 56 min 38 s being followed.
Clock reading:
8 h 31 min 17 s
